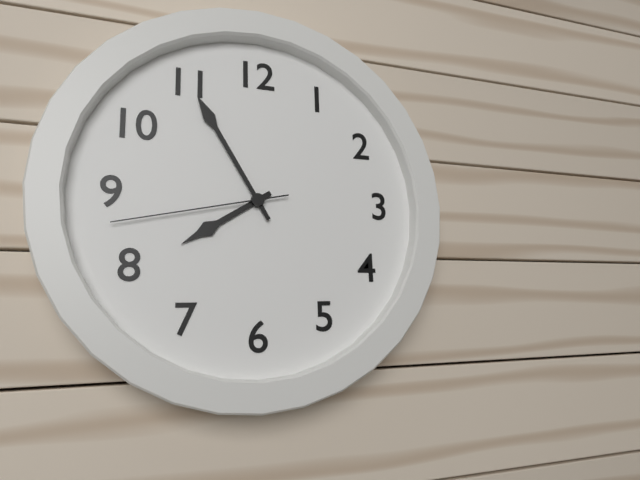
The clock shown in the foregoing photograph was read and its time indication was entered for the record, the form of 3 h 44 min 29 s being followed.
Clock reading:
7 h 55 min 43 s
